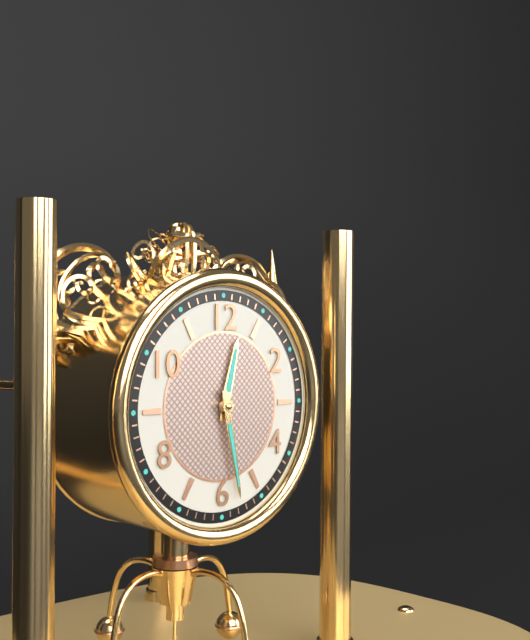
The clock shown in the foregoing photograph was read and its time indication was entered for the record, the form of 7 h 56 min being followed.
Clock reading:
12 h 28 min
